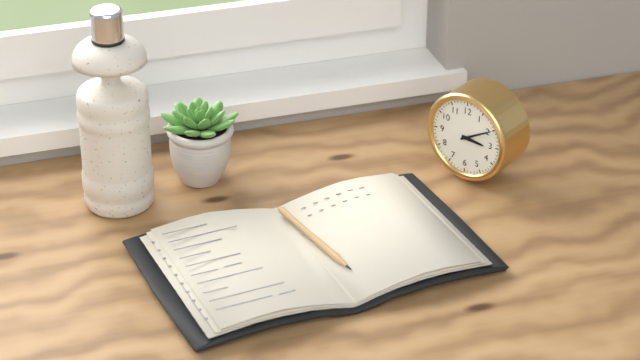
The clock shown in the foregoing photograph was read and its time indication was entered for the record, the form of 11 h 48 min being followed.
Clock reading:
3 h 10 min
